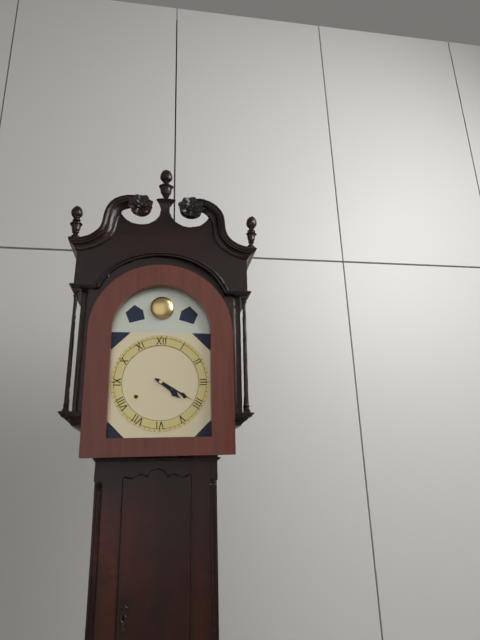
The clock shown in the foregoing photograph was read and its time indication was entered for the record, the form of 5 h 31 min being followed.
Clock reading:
4 h 20 min
